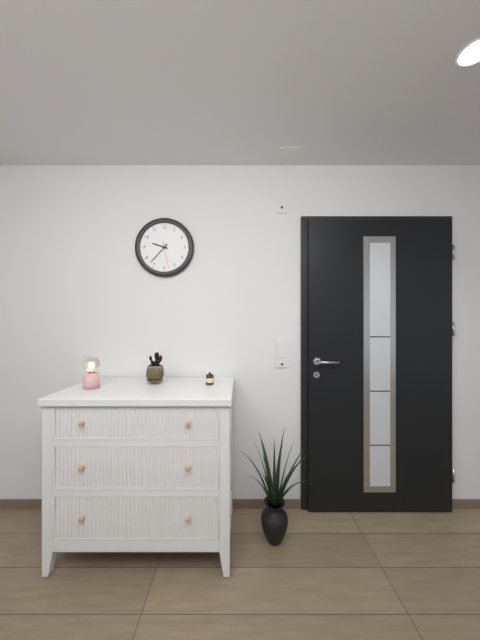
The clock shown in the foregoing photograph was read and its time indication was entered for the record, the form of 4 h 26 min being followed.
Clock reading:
9 h 37 min
